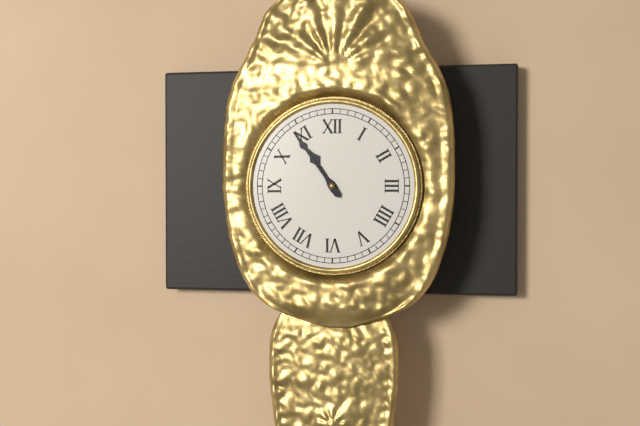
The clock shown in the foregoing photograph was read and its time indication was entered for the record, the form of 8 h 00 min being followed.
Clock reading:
10 h 54 min
